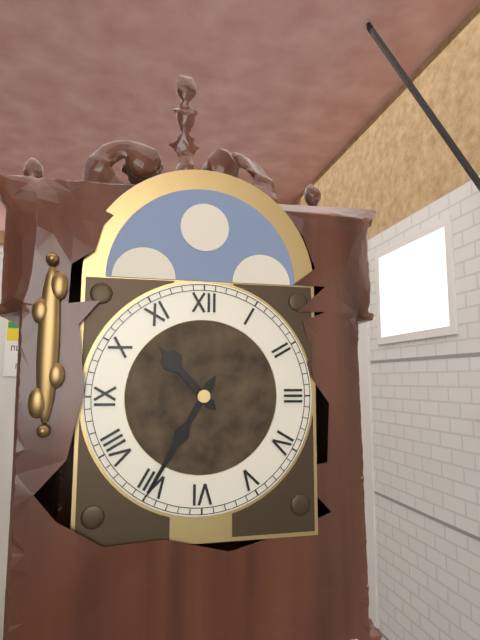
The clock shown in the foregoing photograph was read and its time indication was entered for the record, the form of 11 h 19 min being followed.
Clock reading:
10 h 35 min
